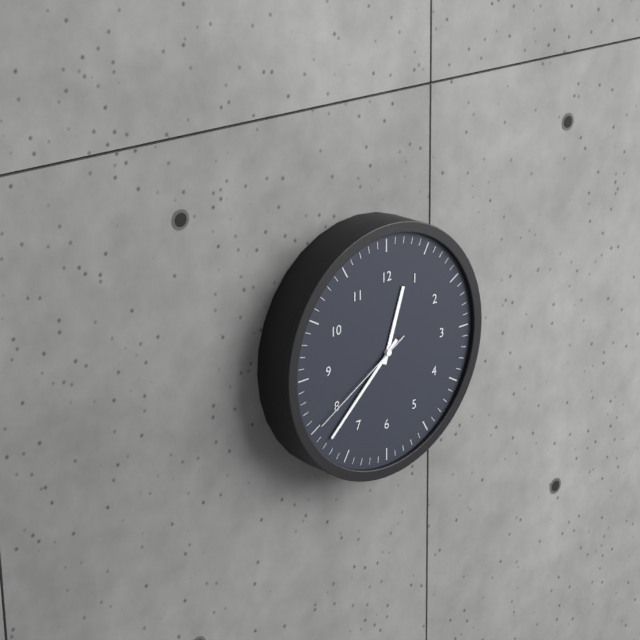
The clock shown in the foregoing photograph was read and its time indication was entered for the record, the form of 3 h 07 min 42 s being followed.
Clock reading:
12 h 38 min 40 s
